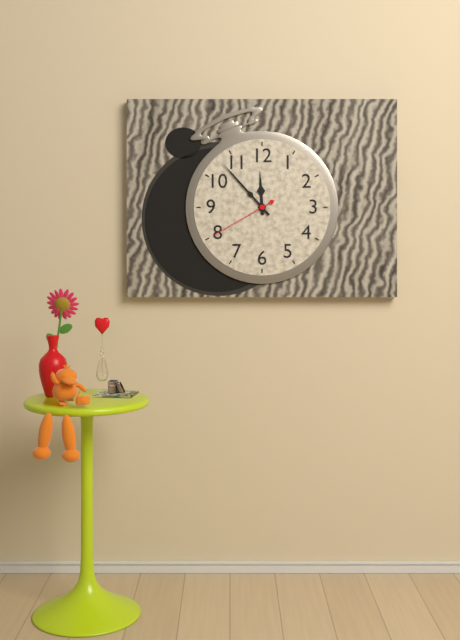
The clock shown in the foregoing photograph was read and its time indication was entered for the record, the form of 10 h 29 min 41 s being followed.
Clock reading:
11 h 53 min 40 s
